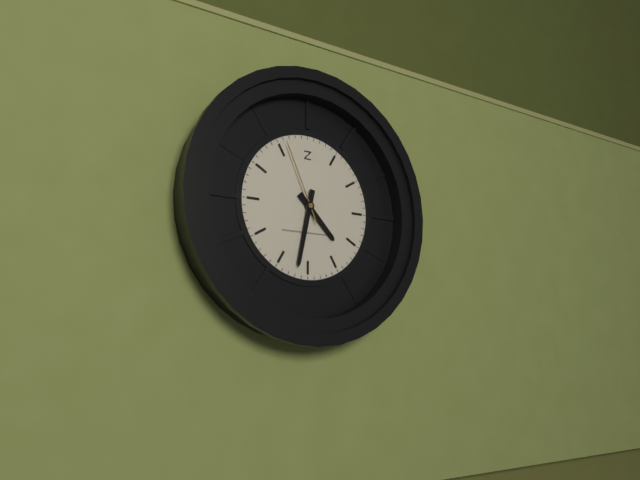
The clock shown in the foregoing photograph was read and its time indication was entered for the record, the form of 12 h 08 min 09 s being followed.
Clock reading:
4 h 32 min 56 s
